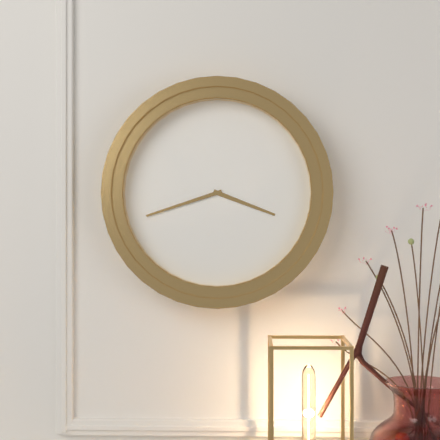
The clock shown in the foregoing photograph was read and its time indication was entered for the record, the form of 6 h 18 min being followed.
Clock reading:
3 h 42 min
